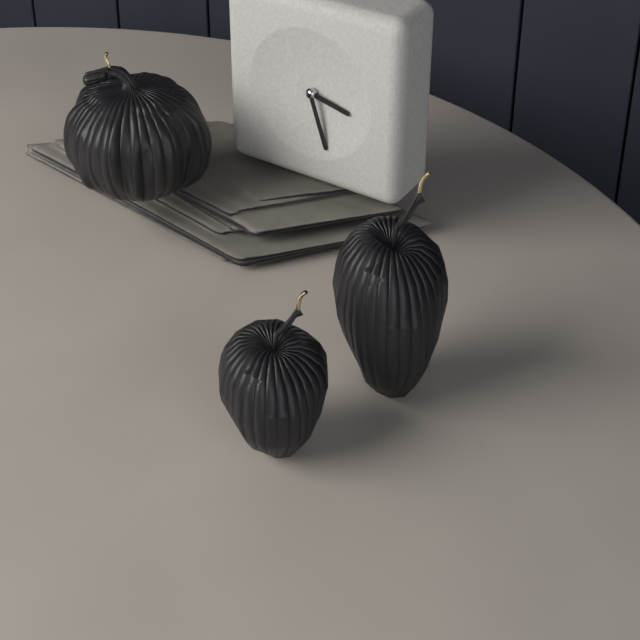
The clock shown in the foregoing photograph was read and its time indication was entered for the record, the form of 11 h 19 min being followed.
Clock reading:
3 h 27 min
